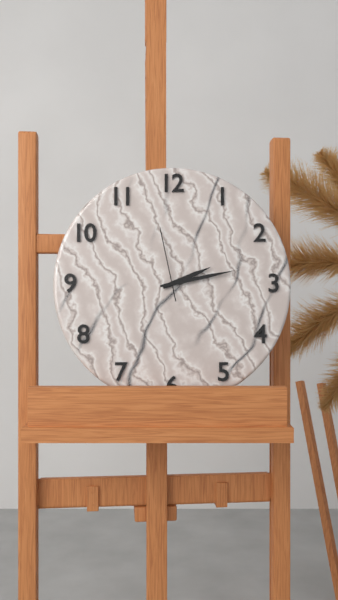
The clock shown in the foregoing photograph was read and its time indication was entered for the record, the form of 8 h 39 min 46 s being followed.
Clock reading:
2 h 13 min 58 s
